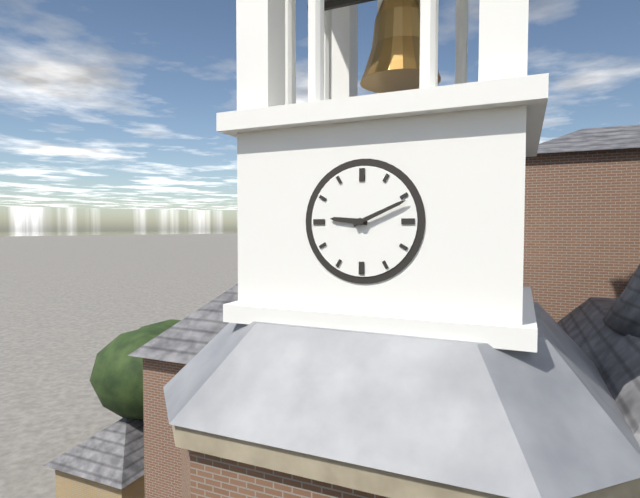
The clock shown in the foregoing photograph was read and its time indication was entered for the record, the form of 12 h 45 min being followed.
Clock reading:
9 h 11 min
